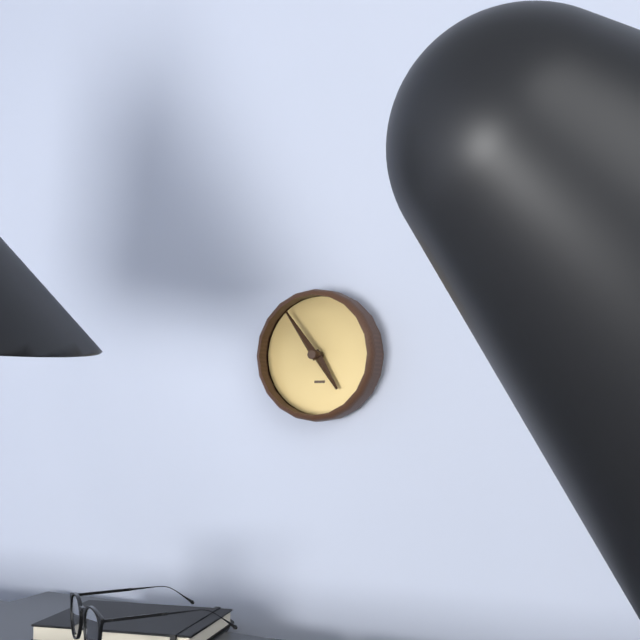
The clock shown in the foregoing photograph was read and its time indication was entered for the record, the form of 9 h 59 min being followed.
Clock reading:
4 h 54 min
